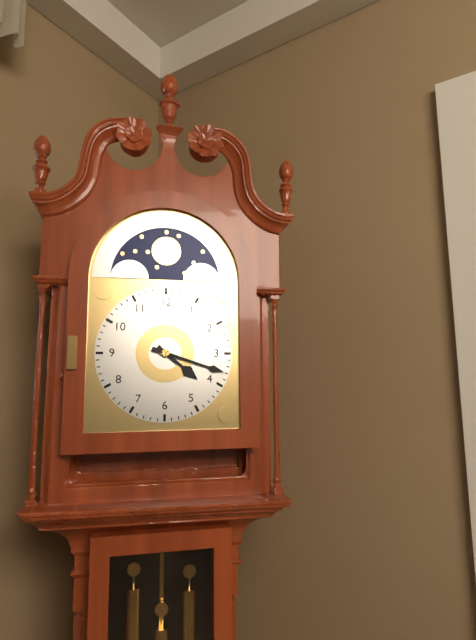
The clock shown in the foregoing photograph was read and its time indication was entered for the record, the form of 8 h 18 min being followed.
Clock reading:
4 h 18 min
